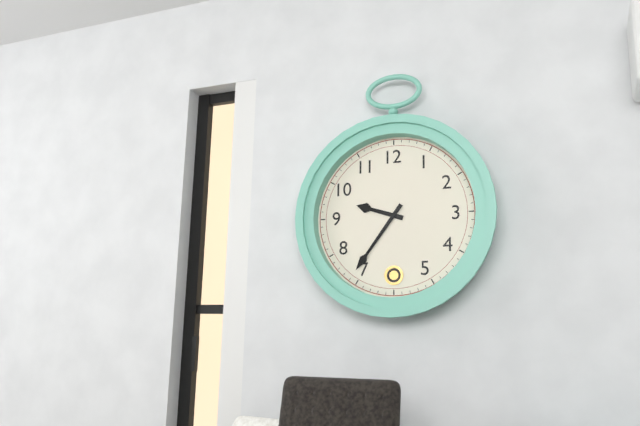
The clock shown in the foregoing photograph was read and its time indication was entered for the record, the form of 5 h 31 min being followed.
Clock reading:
9 h 36 min
